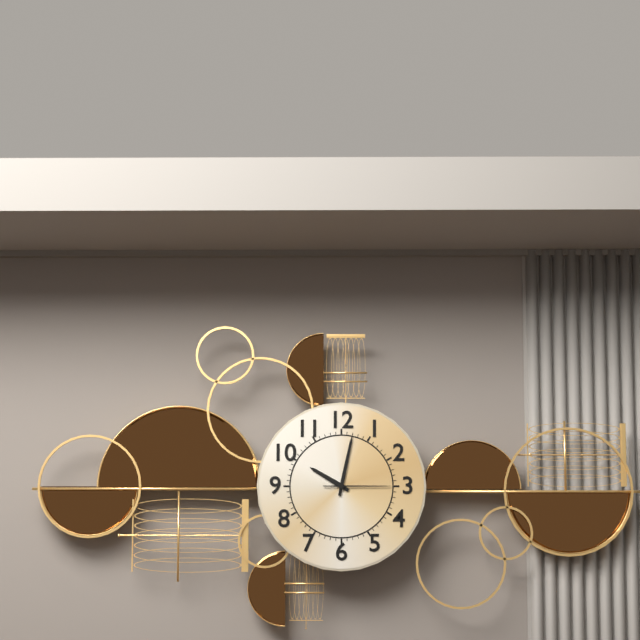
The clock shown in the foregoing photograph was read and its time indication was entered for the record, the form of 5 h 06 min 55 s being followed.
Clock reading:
10 h 02 min 15 s
